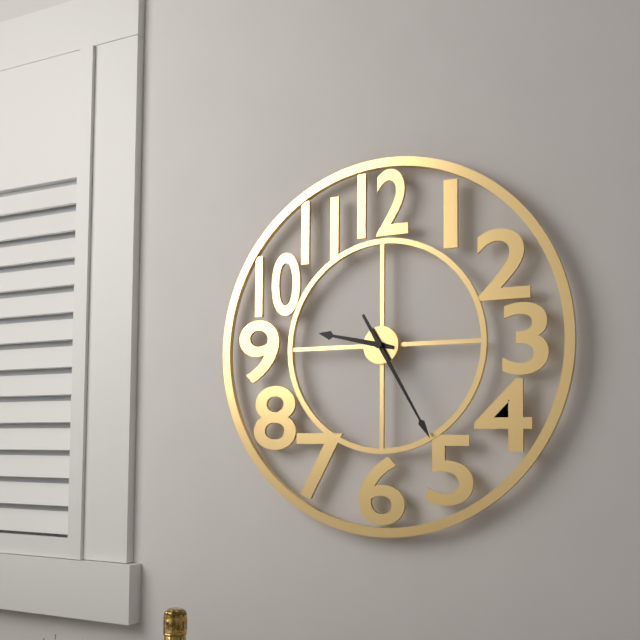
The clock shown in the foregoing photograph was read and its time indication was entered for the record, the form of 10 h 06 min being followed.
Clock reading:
9 h 25 min
